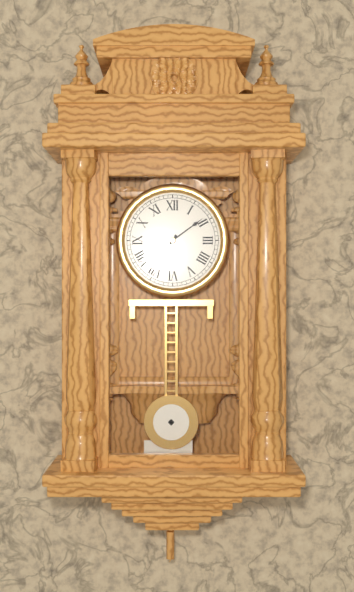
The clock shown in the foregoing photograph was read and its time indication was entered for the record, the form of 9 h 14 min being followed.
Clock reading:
7 h 09 min
